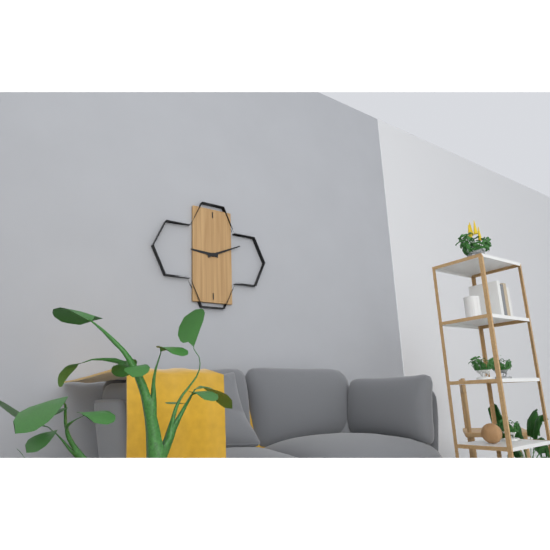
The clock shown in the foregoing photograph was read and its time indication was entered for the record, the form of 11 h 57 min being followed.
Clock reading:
9 h 11 min
